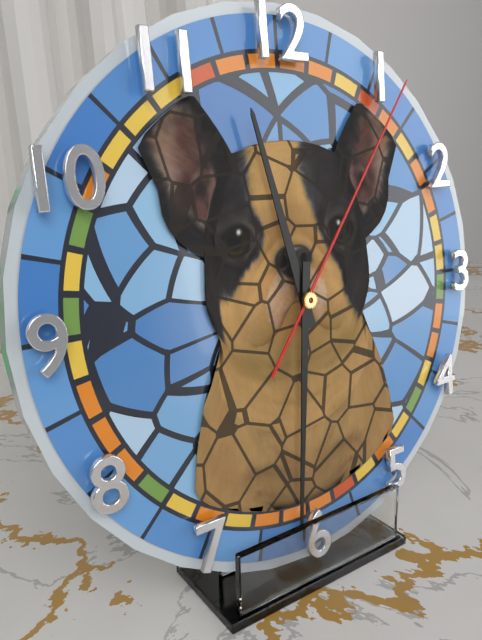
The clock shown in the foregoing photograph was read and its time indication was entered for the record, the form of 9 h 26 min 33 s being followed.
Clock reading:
11 h 31 min 06 s
